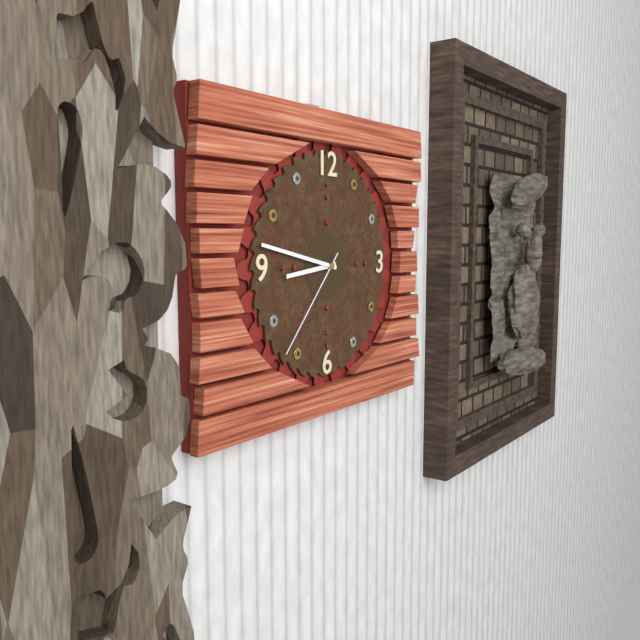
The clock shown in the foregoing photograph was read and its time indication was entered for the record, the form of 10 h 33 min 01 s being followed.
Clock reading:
8 h 47 min 37 s
